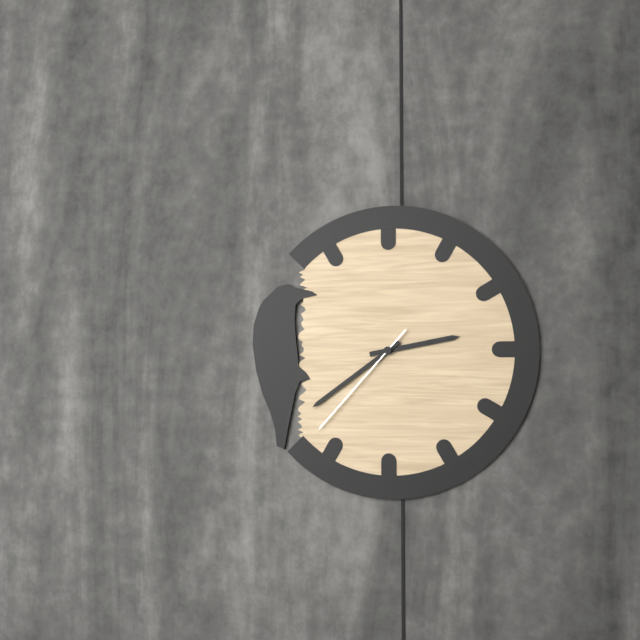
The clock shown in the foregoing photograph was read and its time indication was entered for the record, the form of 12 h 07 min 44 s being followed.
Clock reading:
2 h 39 min 37 s
